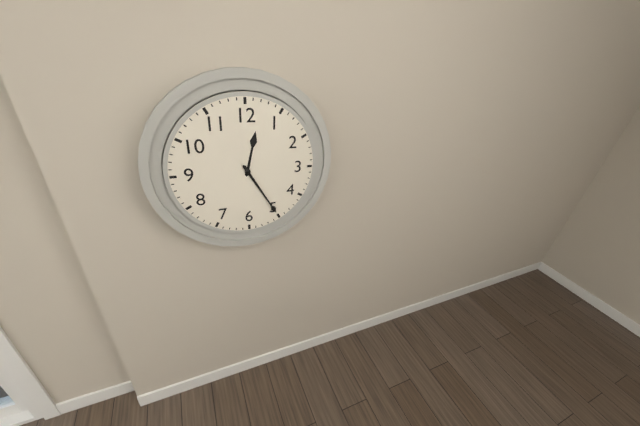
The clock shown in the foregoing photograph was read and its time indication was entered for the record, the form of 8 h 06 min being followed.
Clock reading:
12 h 25 min
